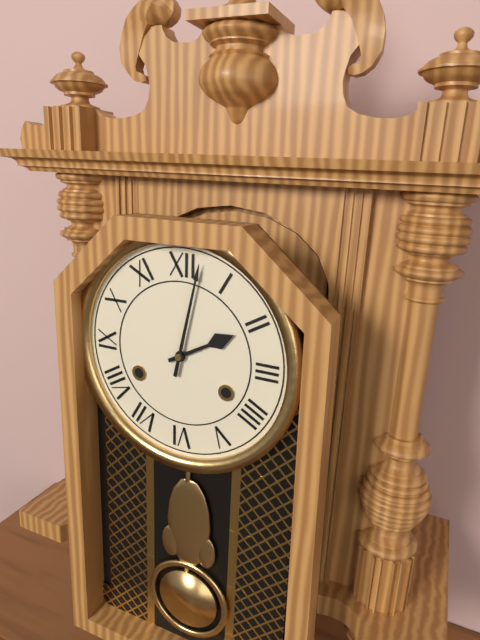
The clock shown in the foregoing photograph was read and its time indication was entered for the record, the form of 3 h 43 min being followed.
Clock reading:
2 h 02 min
